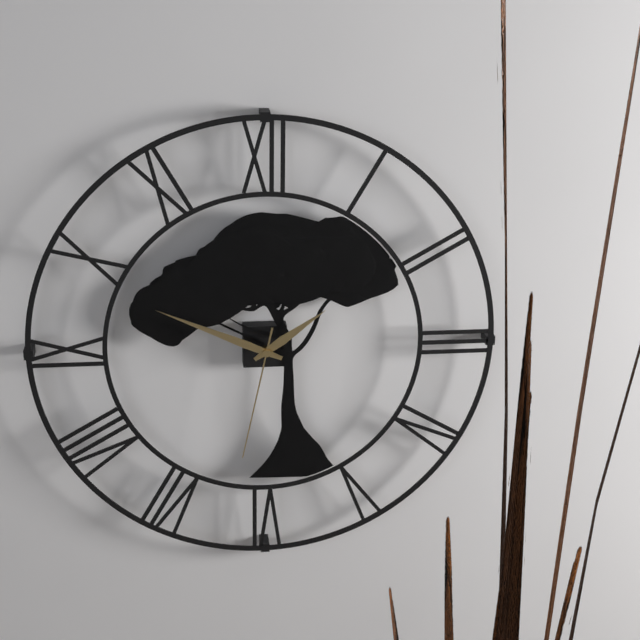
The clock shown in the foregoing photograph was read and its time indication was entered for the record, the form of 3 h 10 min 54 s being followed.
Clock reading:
1 h 49 min 32 s
